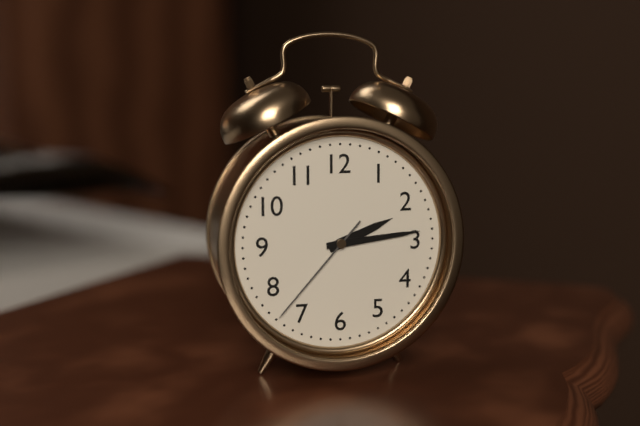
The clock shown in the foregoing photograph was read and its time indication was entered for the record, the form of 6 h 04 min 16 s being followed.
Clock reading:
2 h 14 min 37 s
